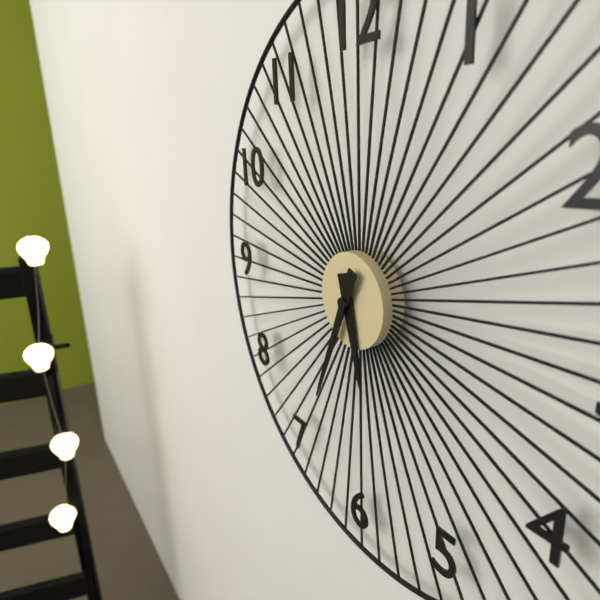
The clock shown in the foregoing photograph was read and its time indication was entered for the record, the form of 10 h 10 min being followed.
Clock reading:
5 h 34 min
